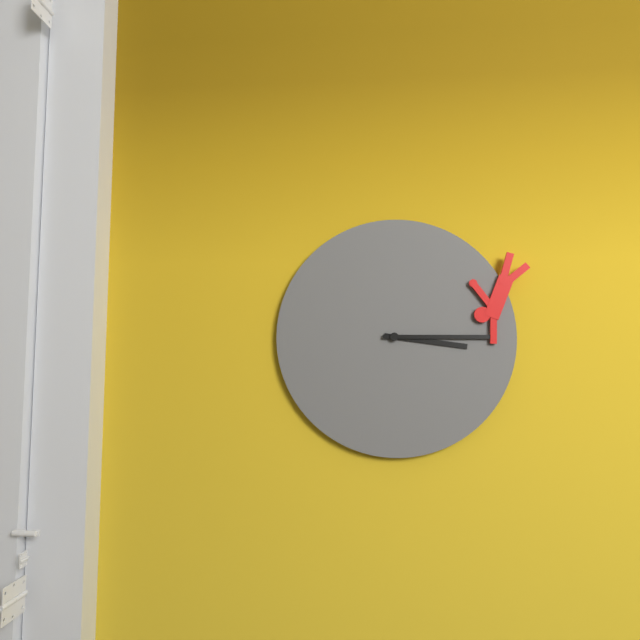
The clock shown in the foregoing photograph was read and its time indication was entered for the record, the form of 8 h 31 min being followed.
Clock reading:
3 h 15 min
